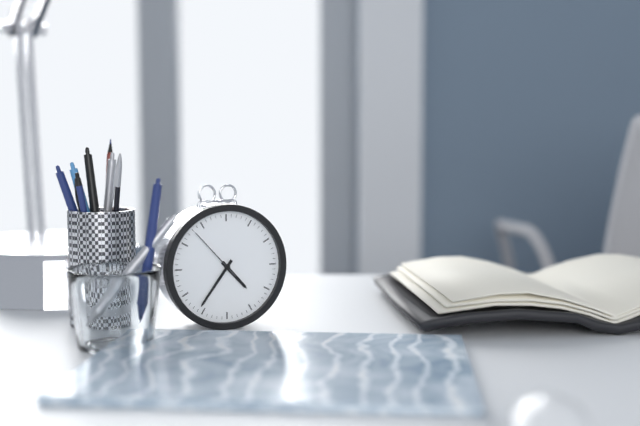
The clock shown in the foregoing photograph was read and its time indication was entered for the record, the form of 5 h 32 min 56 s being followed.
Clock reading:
4 h 36 min 53 s
